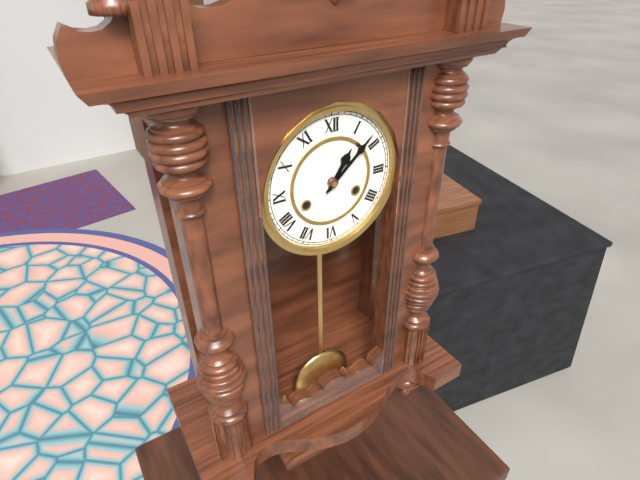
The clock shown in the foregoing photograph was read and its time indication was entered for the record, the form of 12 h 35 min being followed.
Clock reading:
1 h 08 min
